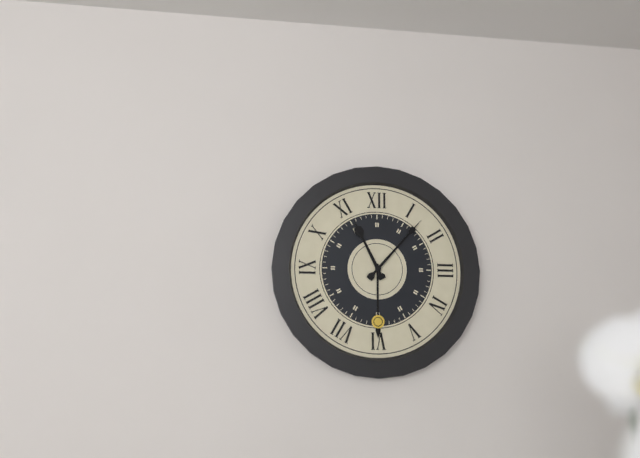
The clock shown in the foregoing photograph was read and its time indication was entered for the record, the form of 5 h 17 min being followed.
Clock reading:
11 h 07 min
